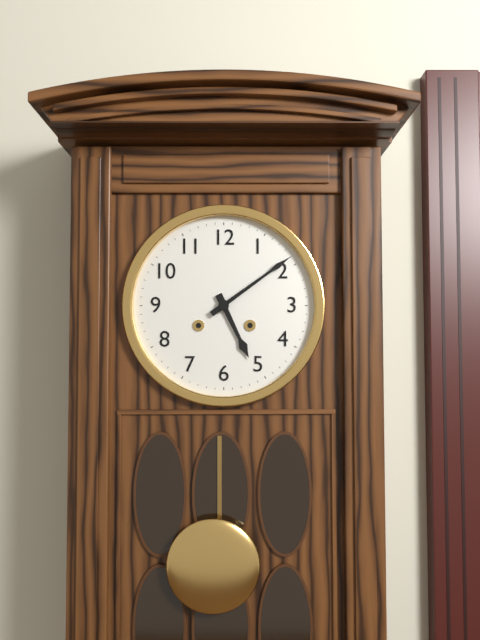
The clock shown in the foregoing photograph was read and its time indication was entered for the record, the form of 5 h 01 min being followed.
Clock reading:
5 h 09 min
